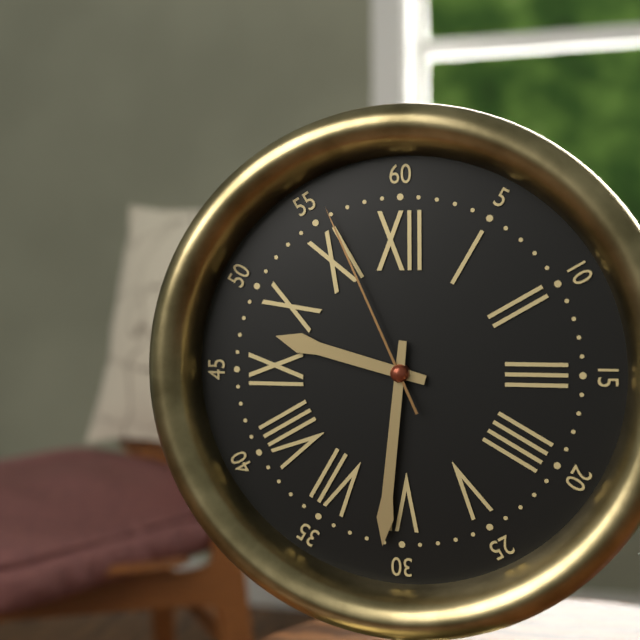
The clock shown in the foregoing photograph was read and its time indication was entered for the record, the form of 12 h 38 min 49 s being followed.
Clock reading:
9 h 31 min 56 s
